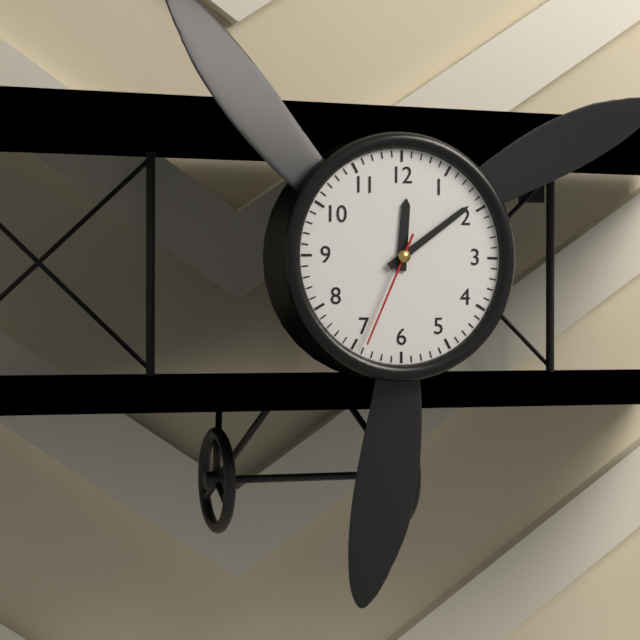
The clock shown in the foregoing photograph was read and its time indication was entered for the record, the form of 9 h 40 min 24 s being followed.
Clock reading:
12 h 09 min 34 s
